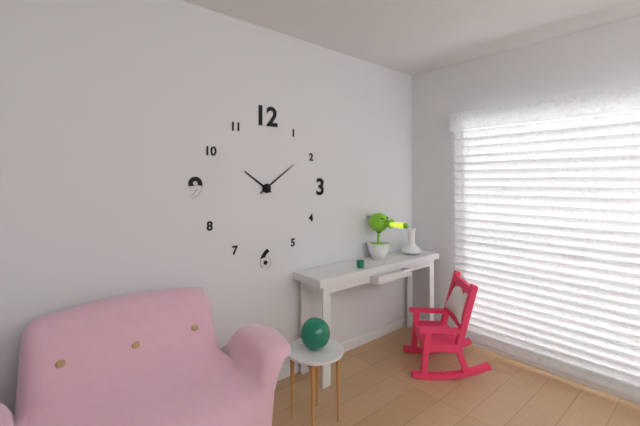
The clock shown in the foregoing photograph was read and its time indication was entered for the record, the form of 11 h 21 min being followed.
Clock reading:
10 h 09 min
